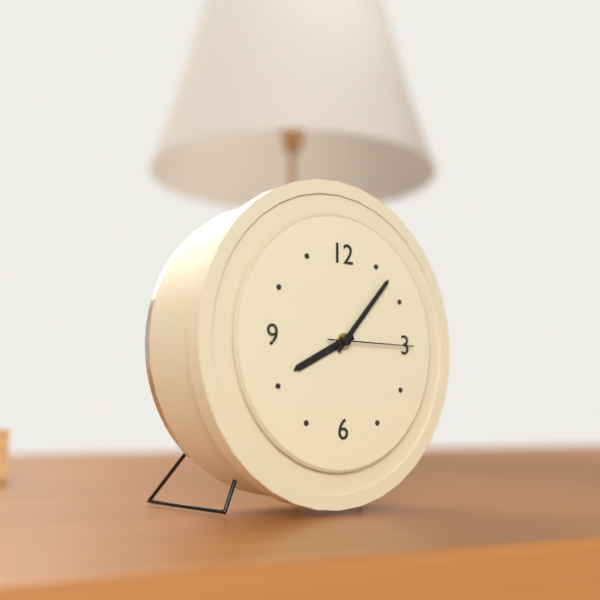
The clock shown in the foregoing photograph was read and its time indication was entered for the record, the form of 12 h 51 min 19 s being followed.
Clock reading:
8 h 07 min 15 s
